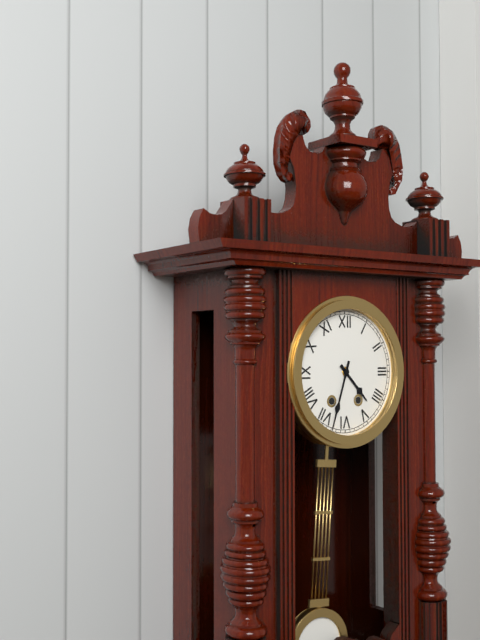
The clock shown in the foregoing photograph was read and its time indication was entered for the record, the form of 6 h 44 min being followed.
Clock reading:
4 h 33 min
